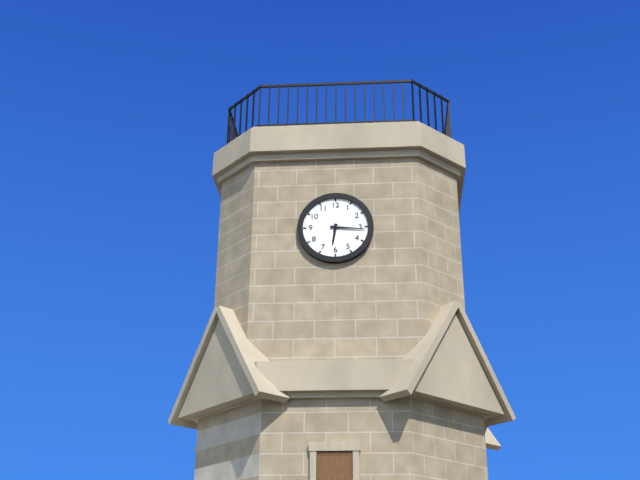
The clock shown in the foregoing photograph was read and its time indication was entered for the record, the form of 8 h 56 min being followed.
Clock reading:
6 h 16 min
